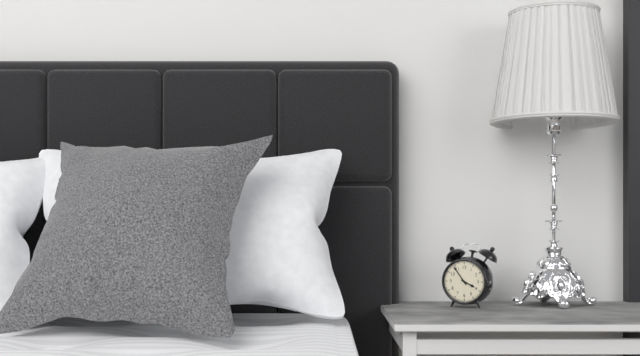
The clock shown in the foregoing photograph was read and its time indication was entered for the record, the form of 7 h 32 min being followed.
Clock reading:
3 h 54 min
